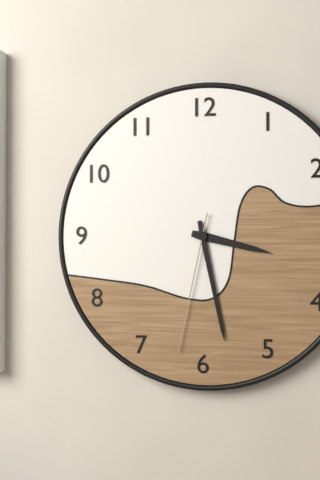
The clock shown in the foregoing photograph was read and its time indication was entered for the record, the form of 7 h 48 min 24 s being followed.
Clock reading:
3 h 28 min 32 s
